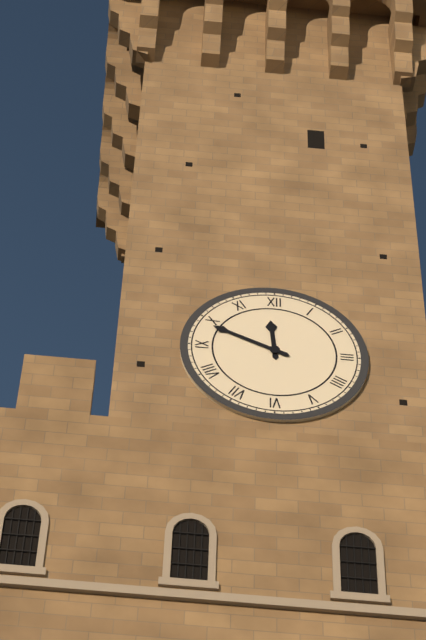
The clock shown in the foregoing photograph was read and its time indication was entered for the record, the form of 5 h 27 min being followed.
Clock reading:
11 h 49 min
